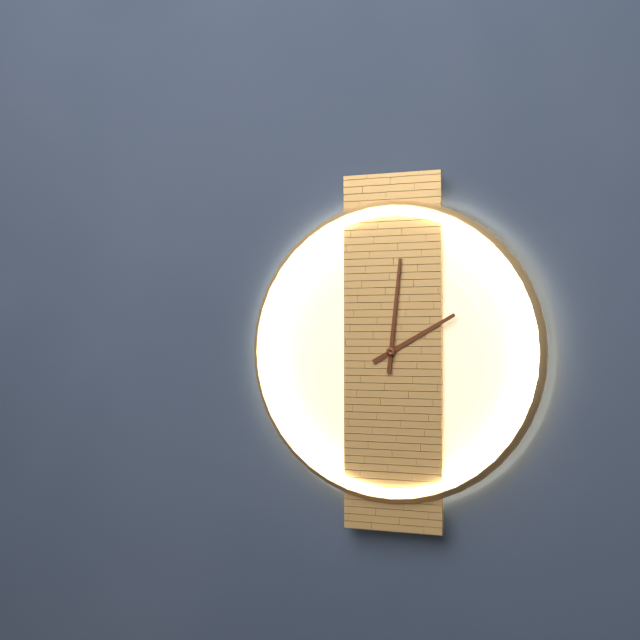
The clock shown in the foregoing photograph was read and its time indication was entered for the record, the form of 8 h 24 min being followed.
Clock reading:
2 h 01 min
